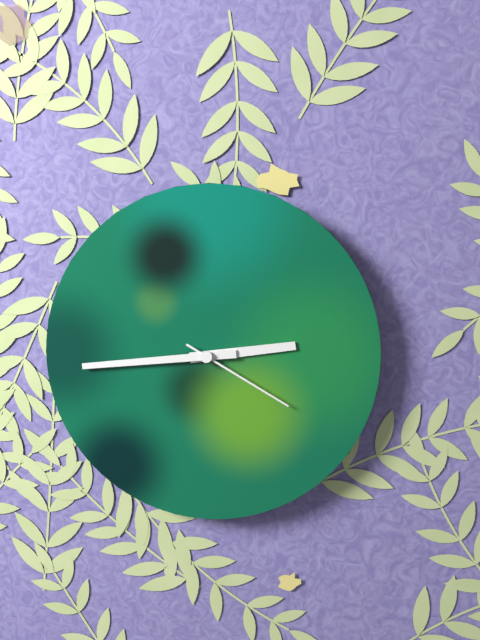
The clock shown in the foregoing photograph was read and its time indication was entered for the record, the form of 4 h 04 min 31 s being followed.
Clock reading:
2 h 44 min 20 s
